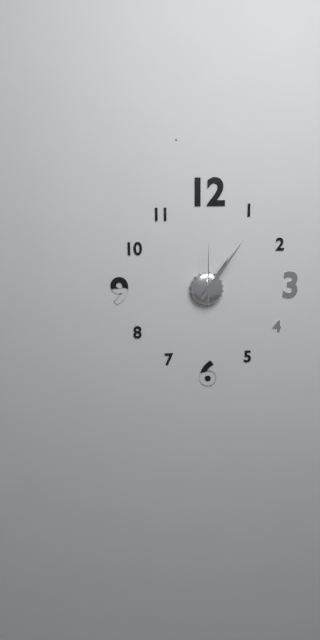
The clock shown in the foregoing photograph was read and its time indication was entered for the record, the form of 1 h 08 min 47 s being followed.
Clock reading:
1 h 06 min 00 s
